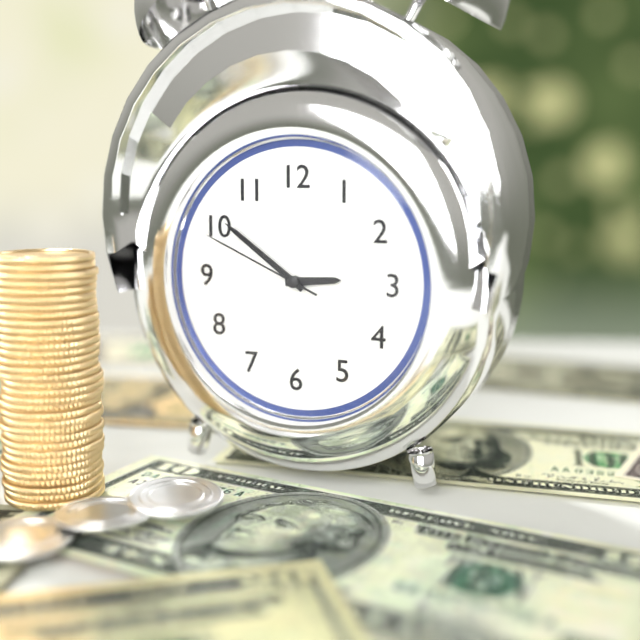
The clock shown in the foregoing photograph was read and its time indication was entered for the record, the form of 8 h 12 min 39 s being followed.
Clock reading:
2 h 51 min 49 s
